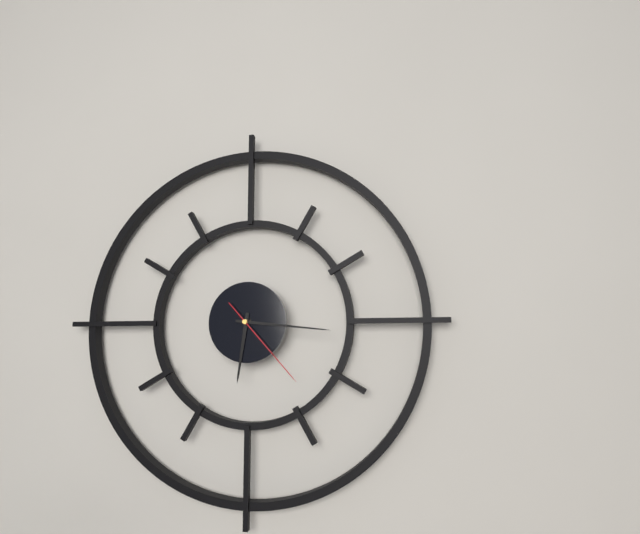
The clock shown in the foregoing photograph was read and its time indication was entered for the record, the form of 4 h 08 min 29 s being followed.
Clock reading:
6 h 16 min 23 s
